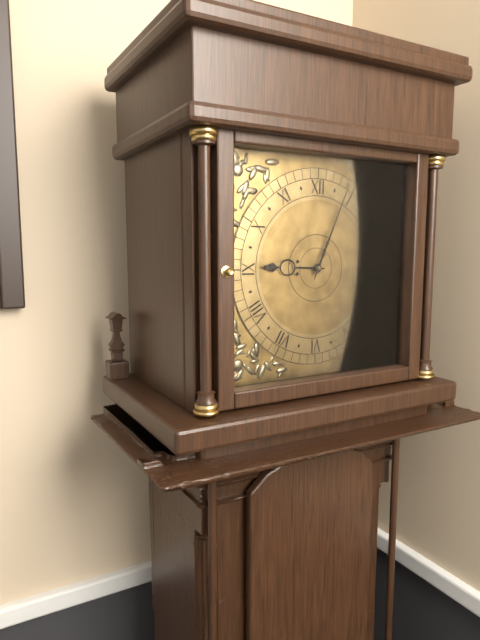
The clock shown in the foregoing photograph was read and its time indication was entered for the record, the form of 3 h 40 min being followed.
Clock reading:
9 h 04 min
